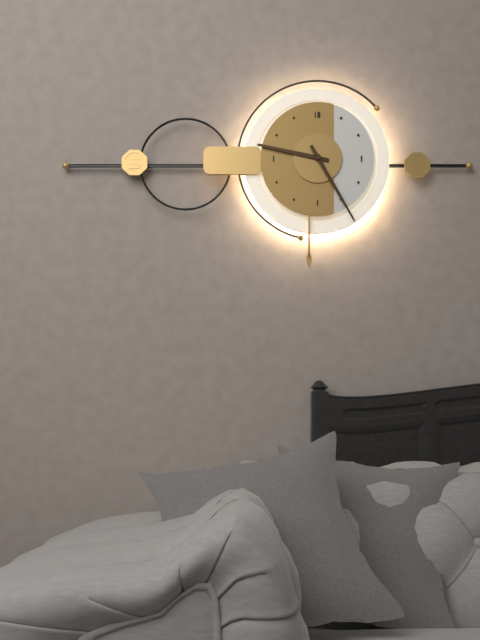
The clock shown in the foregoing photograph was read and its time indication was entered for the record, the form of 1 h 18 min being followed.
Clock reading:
9 h 25 min
